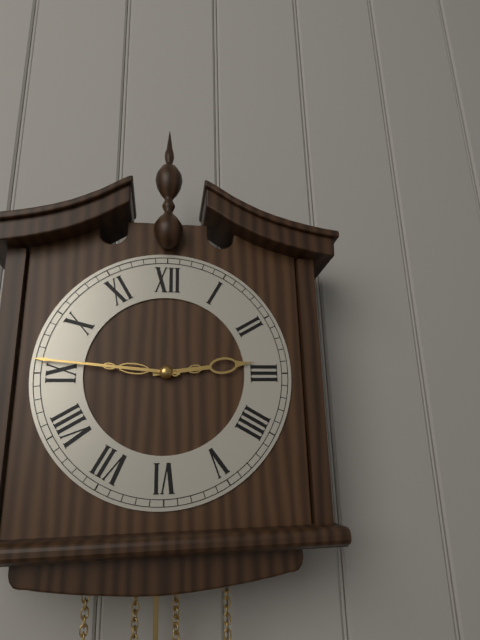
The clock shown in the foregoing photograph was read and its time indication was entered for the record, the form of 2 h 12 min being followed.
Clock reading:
2 h 46 min
